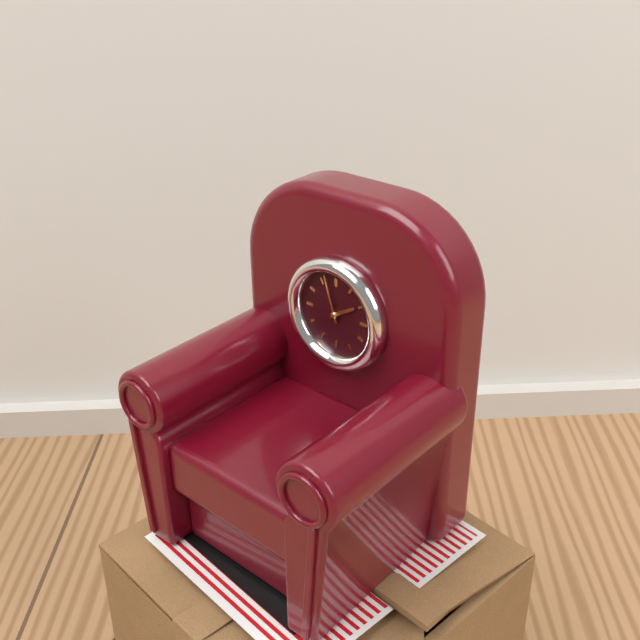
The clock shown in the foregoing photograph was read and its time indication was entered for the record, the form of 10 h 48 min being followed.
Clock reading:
1 h 57 min
